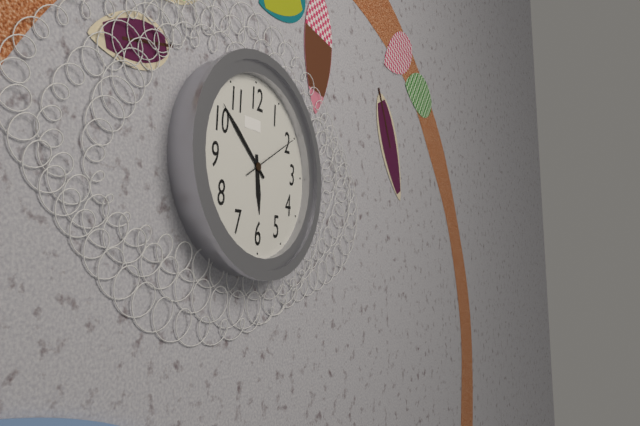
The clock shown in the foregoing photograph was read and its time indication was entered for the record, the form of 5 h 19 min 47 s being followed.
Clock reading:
5 h 52 min 10 s
